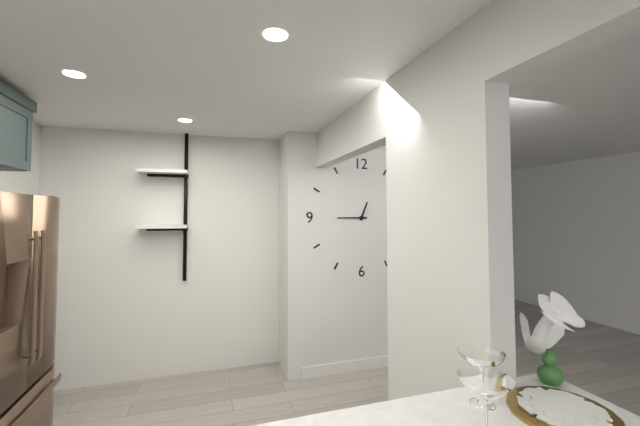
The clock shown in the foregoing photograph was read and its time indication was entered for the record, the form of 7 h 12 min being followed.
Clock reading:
12 h 45 min
